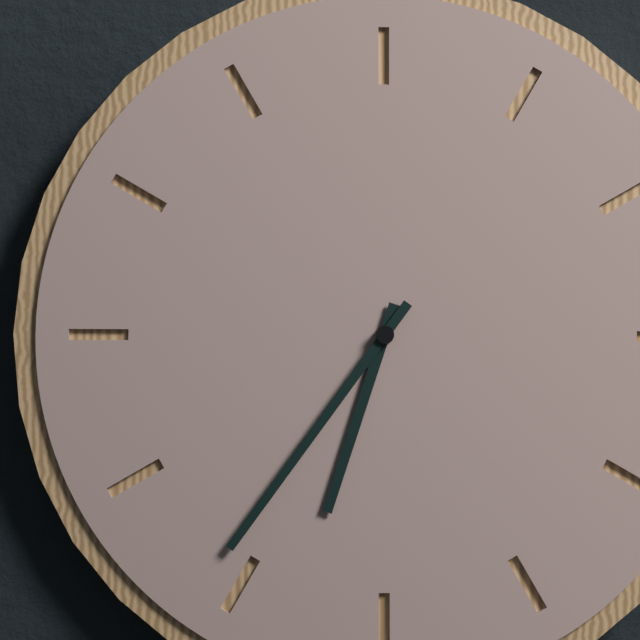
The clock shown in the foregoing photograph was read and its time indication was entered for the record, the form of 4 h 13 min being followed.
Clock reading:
6 h 36 min
